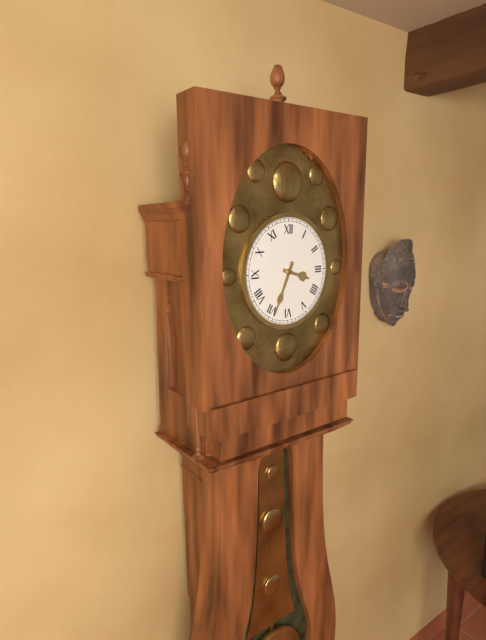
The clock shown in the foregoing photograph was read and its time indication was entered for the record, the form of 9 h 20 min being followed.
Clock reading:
3 h 34 min
